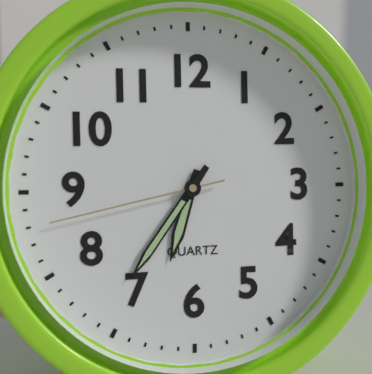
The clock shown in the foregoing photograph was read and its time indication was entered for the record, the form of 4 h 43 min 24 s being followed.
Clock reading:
6 h 36 min 43 s
